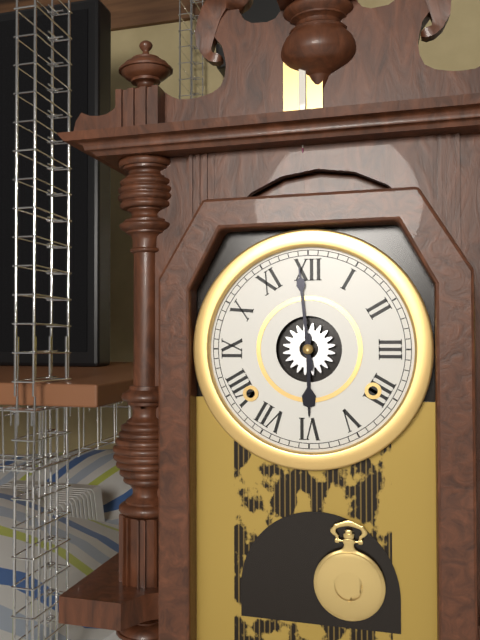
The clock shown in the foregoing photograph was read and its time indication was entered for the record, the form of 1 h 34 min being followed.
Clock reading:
5 h 59 min
